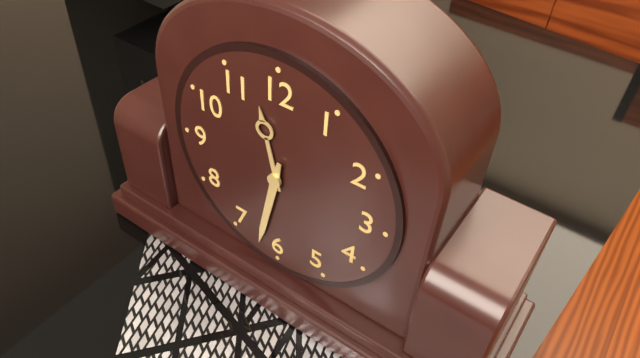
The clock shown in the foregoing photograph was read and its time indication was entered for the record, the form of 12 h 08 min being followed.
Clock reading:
11 h 32 min
